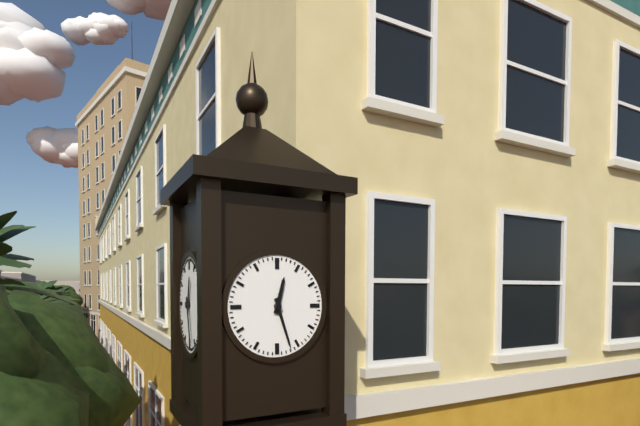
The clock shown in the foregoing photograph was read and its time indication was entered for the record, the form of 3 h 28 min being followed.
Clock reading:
12 h 27 min
